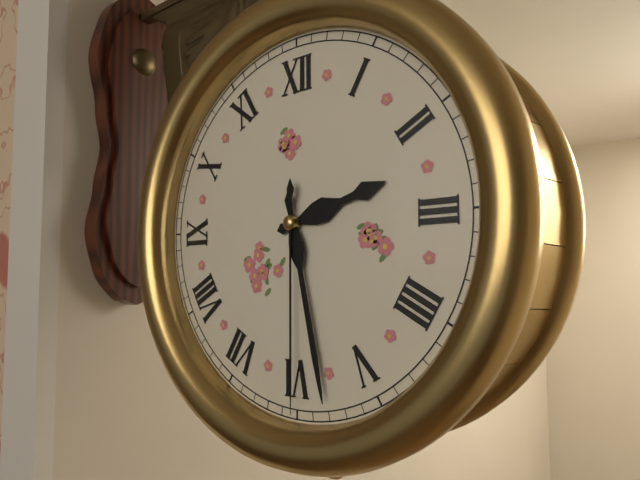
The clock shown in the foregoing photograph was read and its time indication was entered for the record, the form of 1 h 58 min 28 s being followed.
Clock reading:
2 h 28 min 30 s
